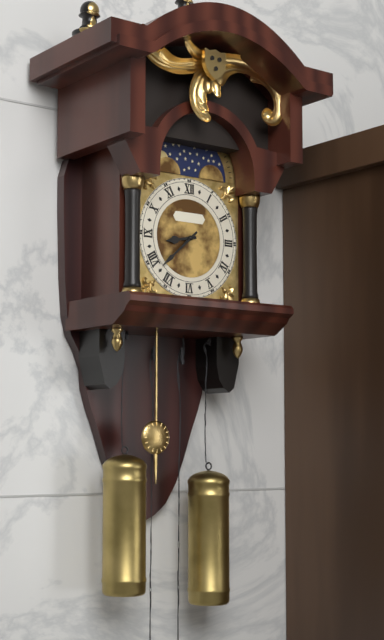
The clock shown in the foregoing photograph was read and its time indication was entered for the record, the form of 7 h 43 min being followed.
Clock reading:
8 h 38 min
